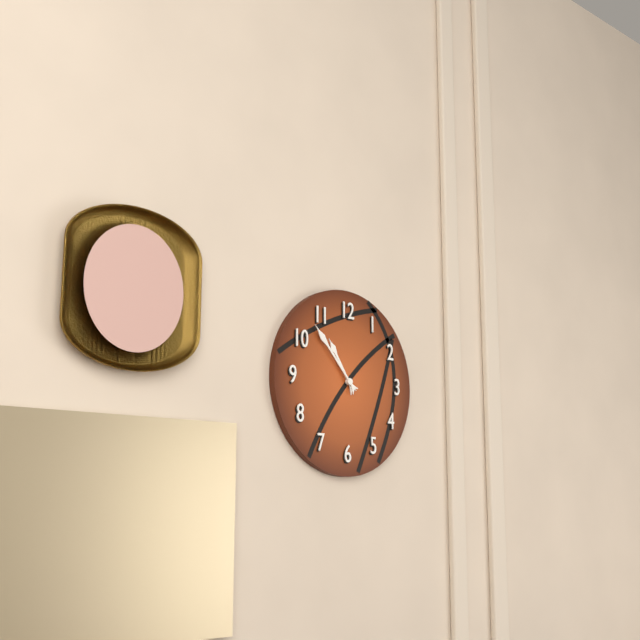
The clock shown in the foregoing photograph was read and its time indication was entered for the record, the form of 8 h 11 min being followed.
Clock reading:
10 h 53 min
